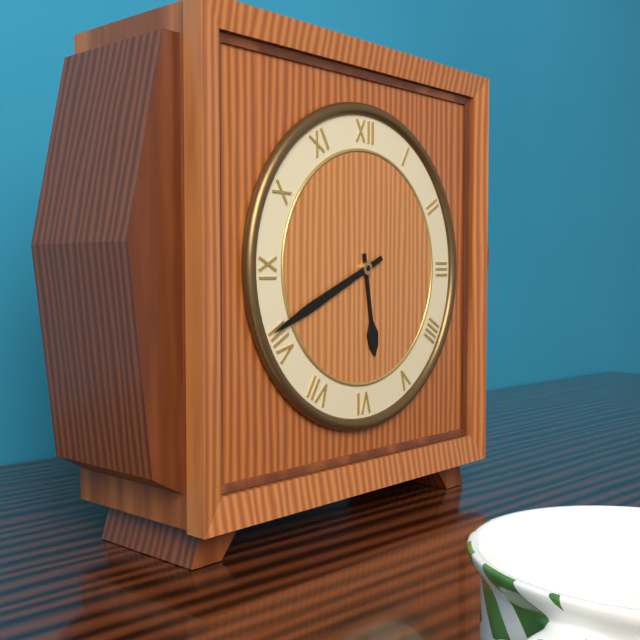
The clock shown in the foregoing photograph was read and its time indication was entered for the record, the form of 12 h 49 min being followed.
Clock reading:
5 h 41 min
